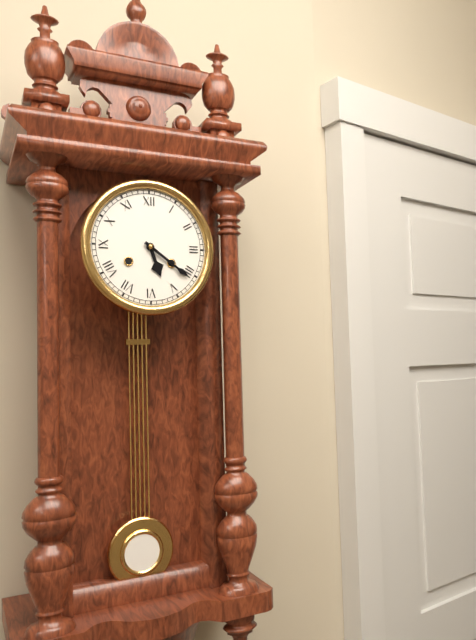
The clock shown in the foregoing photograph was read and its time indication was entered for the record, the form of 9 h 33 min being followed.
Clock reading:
5 h 21 min
